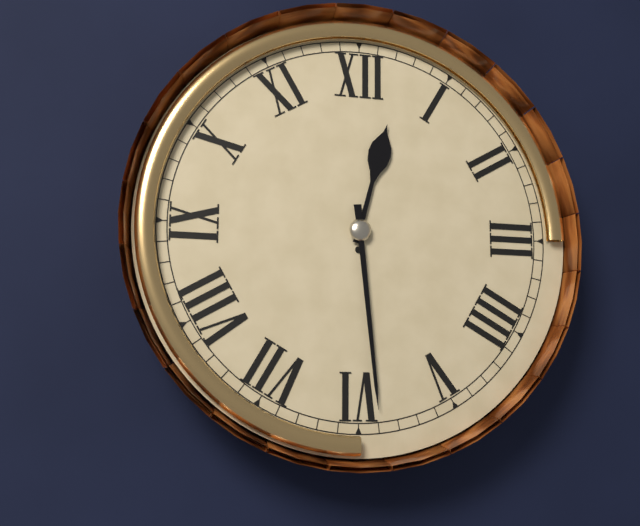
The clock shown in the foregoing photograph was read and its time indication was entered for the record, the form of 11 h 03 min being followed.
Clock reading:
12 h 29 min
